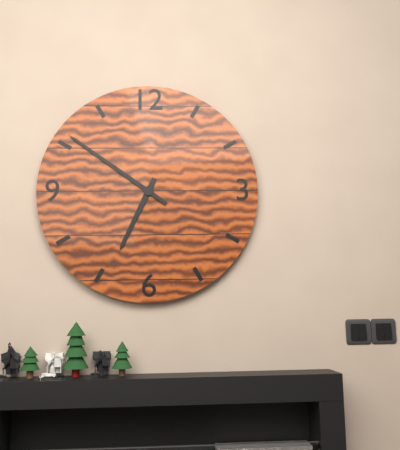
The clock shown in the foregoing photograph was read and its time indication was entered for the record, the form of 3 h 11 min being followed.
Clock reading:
6 h 51 min
